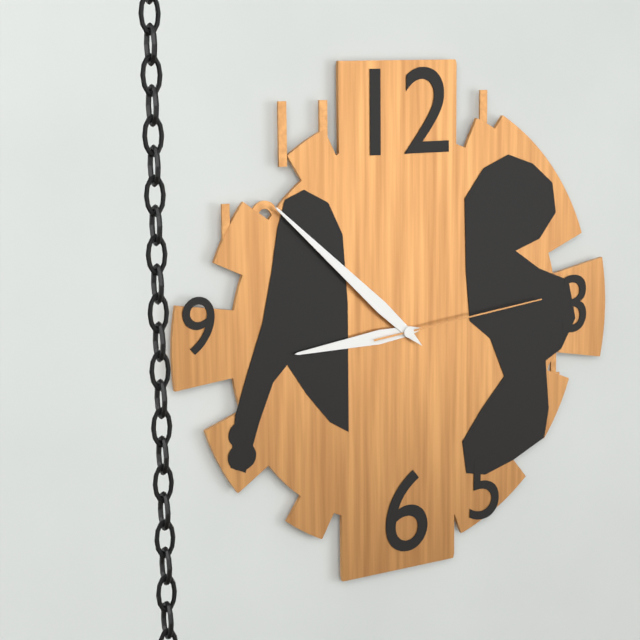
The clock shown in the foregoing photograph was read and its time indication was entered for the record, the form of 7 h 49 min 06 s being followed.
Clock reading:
8 h 52 min 14 s
